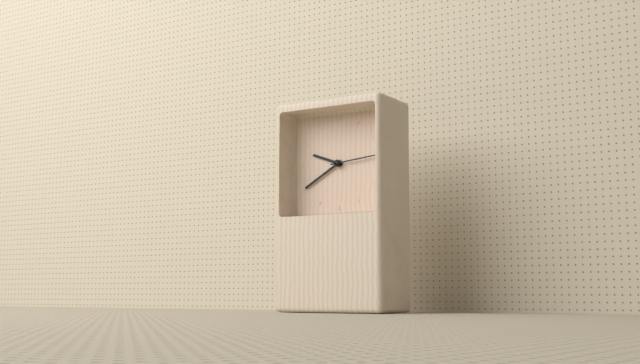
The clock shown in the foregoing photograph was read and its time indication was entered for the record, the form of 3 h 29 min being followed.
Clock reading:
9 h 40 min
